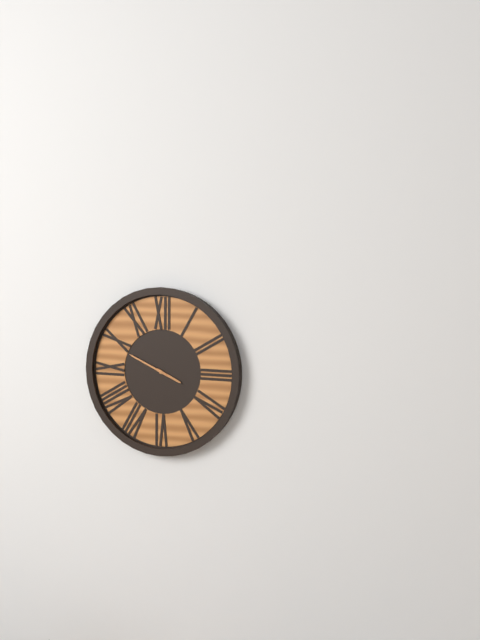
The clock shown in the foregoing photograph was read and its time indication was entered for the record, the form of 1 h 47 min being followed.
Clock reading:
3 h 49 min
